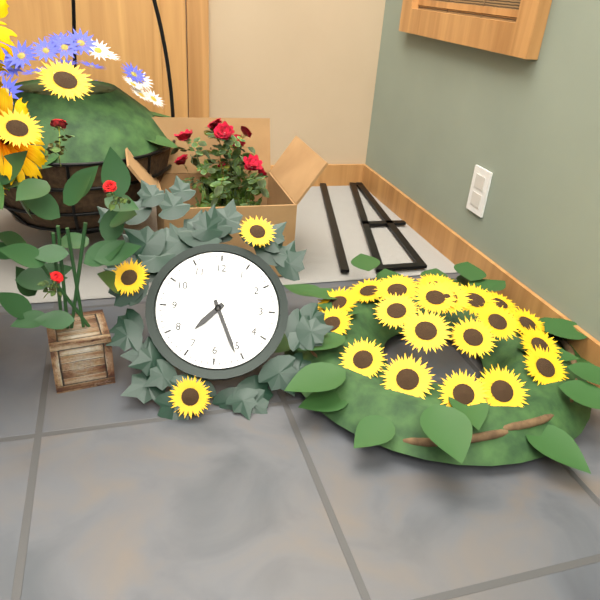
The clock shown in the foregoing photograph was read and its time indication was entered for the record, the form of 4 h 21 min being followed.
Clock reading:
7 h 26 min
